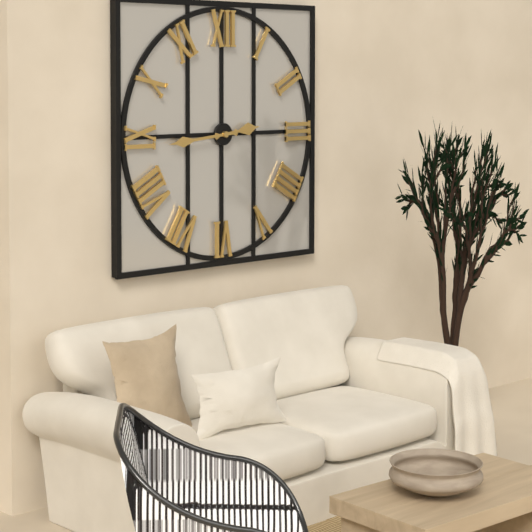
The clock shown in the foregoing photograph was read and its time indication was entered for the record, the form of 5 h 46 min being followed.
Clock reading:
2 h 44 min
